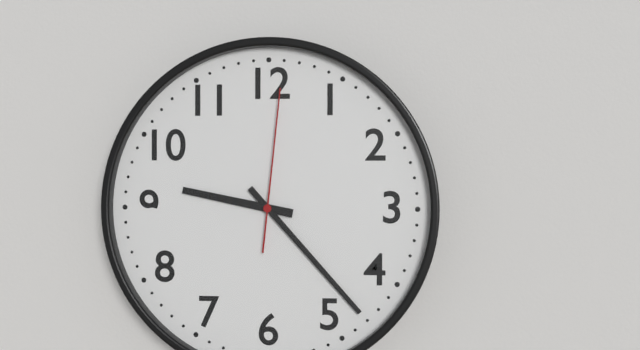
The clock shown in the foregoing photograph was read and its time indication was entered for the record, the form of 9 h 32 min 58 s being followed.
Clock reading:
9 h 23 min 01 s
